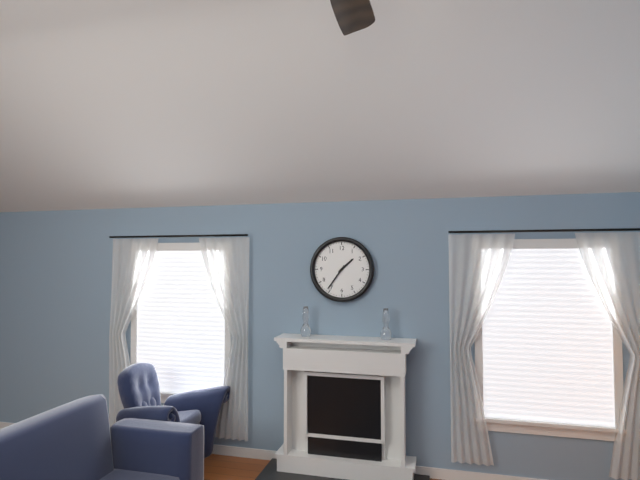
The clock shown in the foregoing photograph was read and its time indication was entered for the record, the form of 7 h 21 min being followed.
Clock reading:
1 h 36 min
